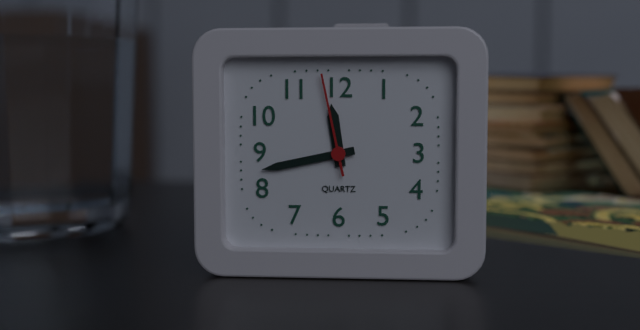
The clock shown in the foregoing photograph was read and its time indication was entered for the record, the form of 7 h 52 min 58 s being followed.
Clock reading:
11 h 43 min 58 s
